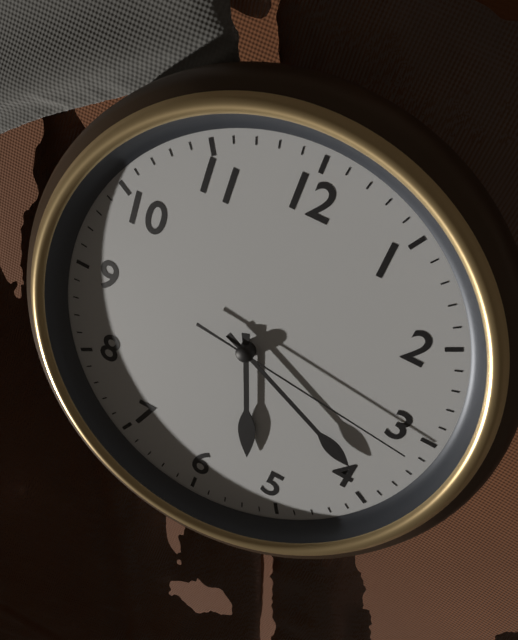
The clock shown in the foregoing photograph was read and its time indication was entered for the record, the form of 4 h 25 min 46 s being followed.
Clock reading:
5 h 19 min 16 s
